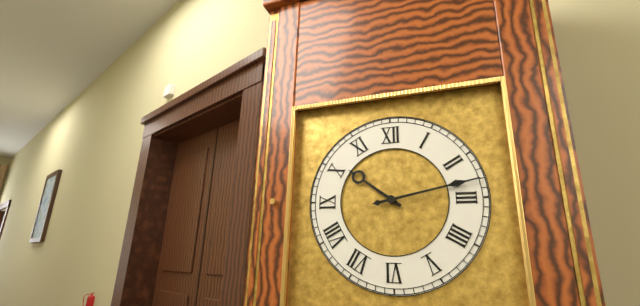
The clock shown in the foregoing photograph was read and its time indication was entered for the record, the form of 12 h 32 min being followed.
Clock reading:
10 h 13 min
